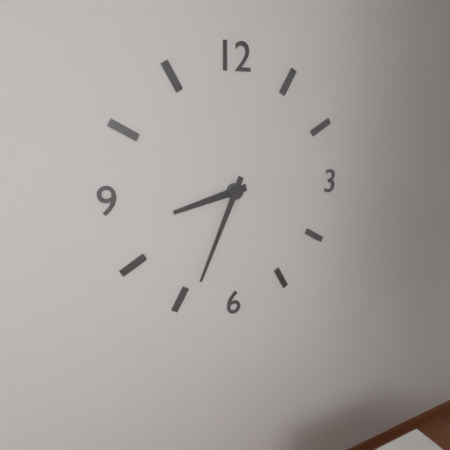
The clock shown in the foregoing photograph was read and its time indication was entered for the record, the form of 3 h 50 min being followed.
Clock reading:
8 h 34 min
